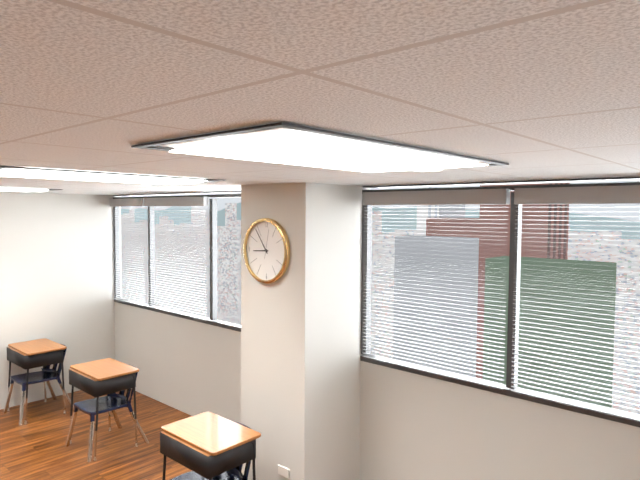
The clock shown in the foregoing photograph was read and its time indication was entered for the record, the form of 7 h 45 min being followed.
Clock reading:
8 h 54 min
